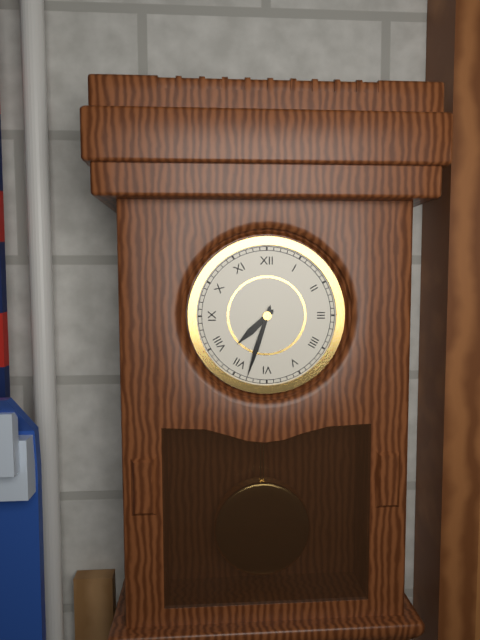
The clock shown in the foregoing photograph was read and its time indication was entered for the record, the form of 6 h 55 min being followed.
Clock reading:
7 h 33 min
